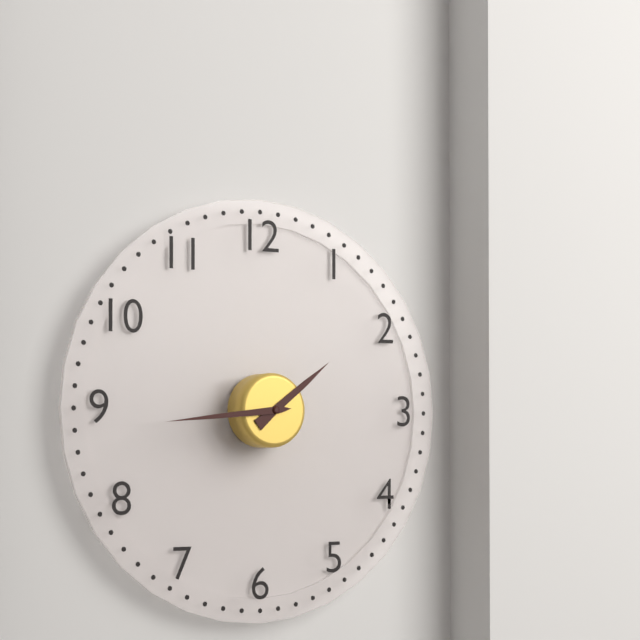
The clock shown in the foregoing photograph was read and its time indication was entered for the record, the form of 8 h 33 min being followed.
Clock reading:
1 h 44 min
